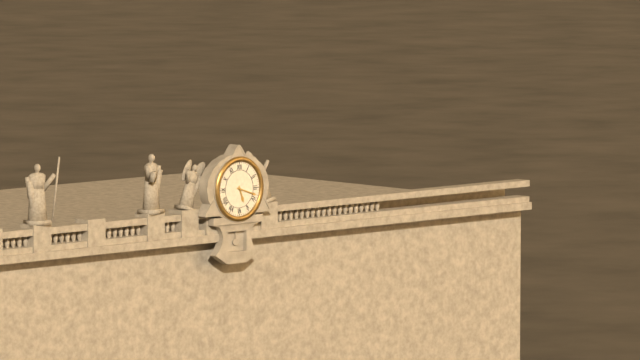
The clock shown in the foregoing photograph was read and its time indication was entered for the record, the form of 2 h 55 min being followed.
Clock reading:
5 h 18 min
